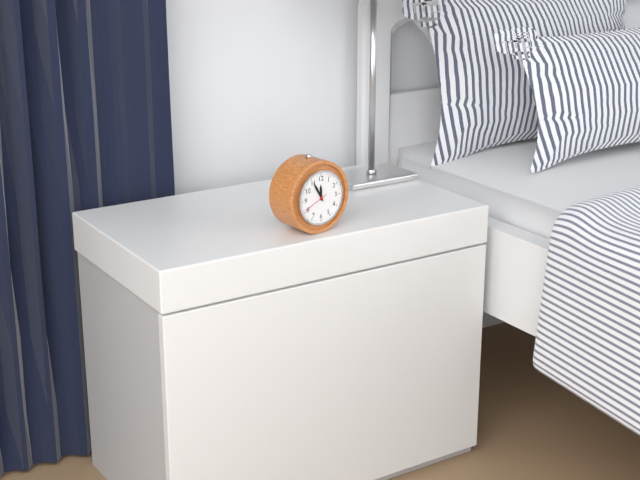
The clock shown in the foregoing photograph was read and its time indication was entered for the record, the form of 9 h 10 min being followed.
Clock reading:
11 h 55 min
